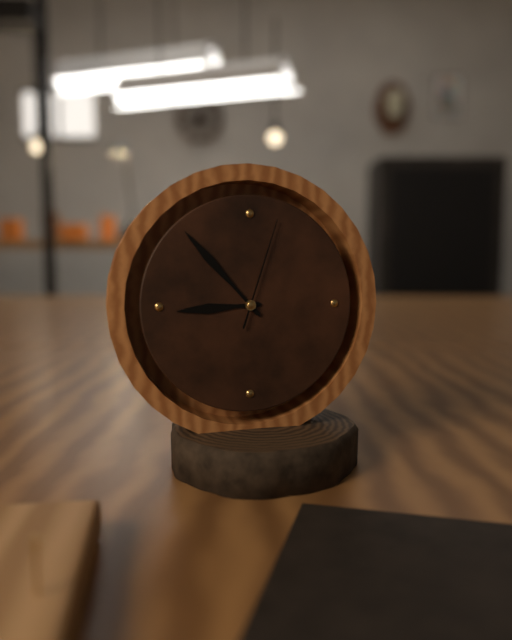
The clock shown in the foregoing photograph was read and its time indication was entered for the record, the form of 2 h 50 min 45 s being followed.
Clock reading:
8 h 53 min 03 s
